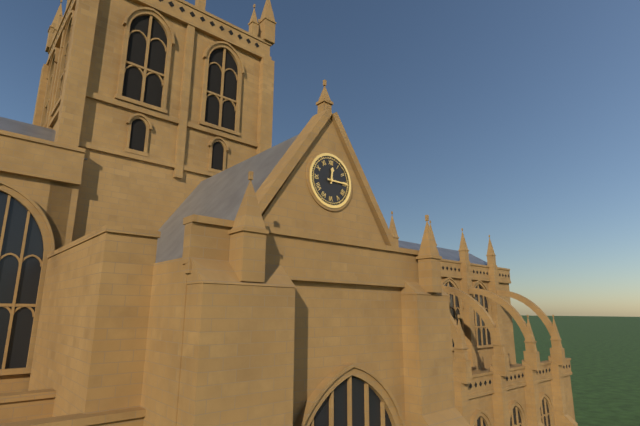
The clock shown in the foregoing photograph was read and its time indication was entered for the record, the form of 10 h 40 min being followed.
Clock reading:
12 h 15 min
